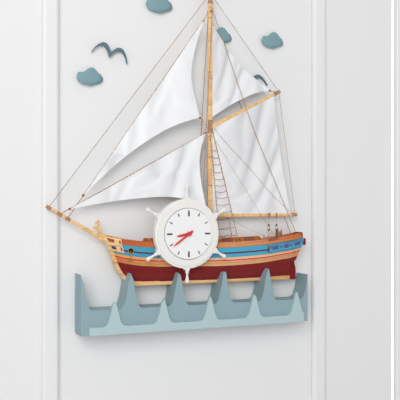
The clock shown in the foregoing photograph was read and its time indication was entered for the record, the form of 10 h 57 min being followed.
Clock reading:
8 h 39 min
